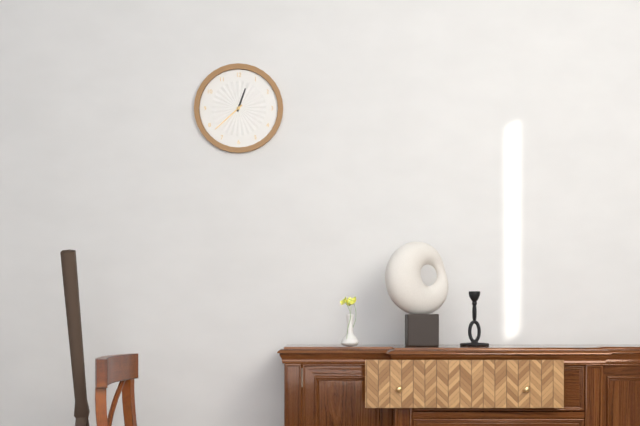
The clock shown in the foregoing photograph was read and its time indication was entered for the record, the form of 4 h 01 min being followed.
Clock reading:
12 h 38 min
